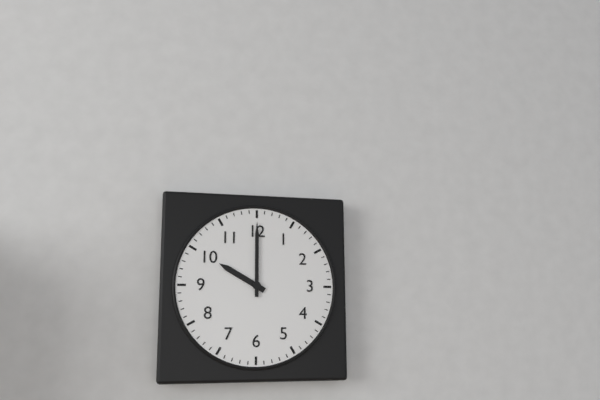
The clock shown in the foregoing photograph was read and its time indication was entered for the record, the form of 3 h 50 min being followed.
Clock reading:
10 h 00 min
